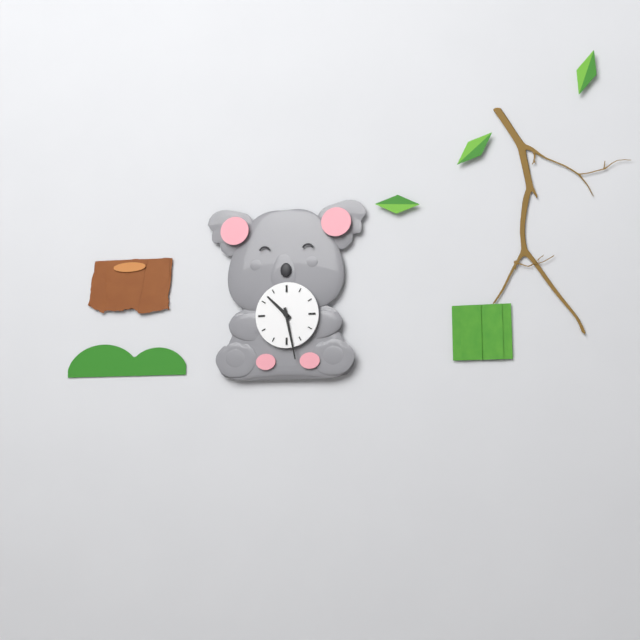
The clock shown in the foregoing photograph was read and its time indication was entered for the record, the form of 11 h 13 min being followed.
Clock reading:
10 h 28 min
